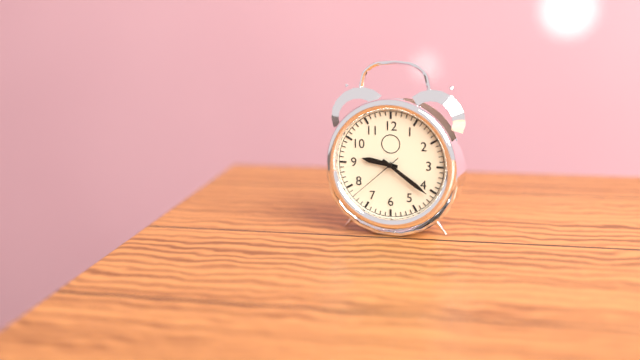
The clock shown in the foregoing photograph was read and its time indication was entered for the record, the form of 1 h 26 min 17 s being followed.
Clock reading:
9 h 21 min 38 s
